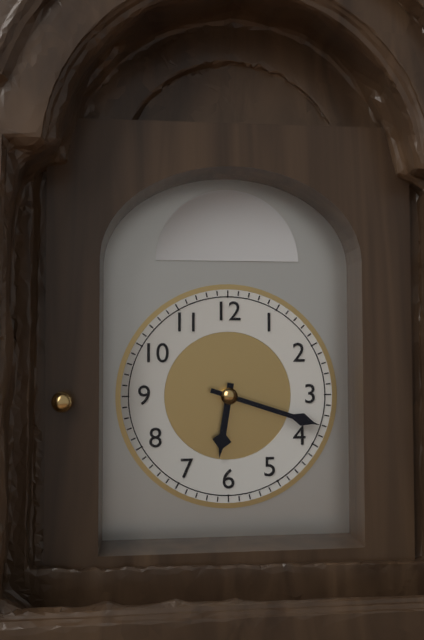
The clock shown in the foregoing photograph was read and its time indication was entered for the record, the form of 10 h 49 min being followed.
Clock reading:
6 h 18 min
